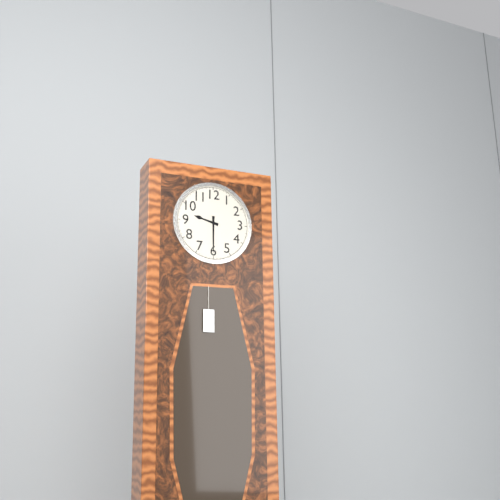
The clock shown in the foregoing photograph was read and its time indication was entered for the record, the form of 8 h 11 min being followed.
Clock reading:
9 h 30 min
